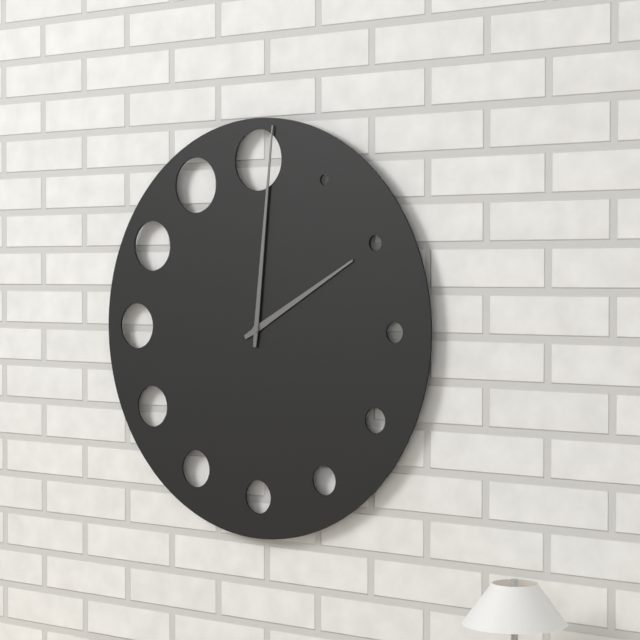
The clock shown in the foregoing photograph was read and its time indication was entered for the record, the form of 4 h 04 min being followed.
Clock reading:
2 h 01 min
